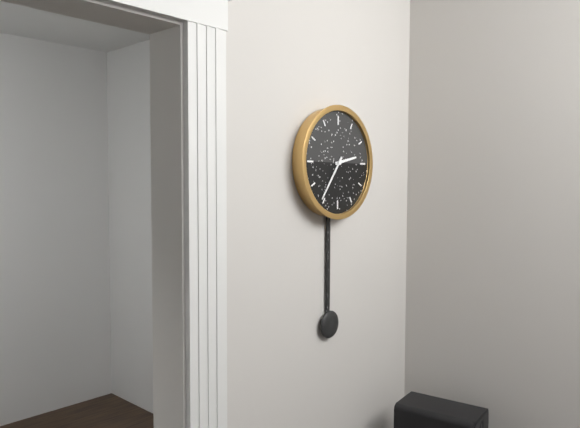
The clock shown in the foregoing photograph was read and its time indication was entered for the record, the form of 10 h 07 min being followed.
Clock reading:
2 h 36 min
